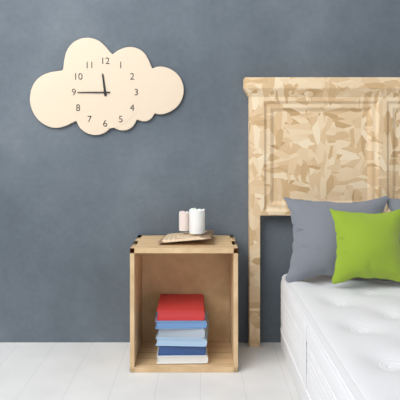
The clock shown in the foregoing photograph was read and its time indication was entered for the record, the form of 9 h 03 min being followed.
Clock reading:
11 h 45 min
